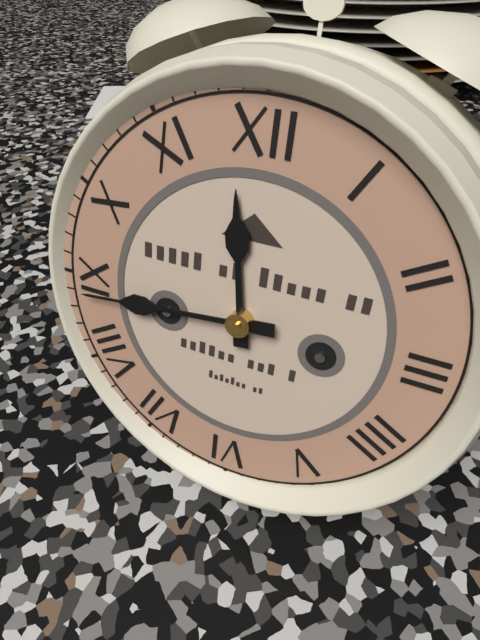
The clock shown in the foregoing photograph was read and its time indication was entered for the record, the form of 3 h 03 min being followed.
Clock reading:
11 h 44 min
